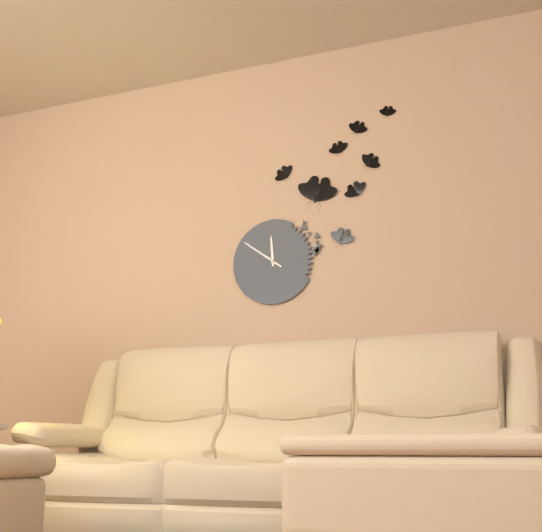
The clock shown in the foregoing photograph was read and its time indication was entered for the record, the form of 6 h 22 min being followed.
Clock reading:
11 h 51 min
